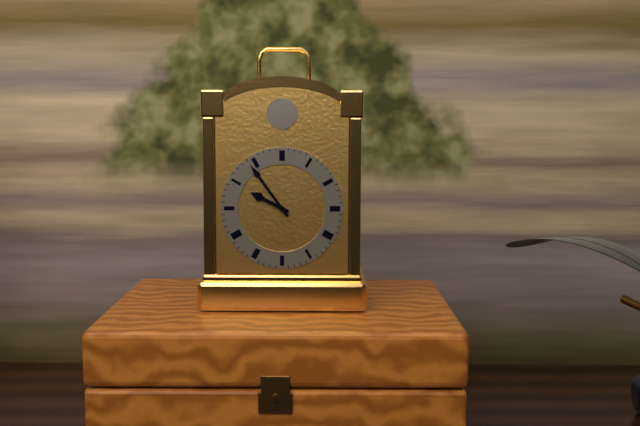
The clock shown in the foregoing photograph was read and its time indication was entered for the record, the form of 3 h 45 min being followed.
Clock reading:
9 h 54 min
